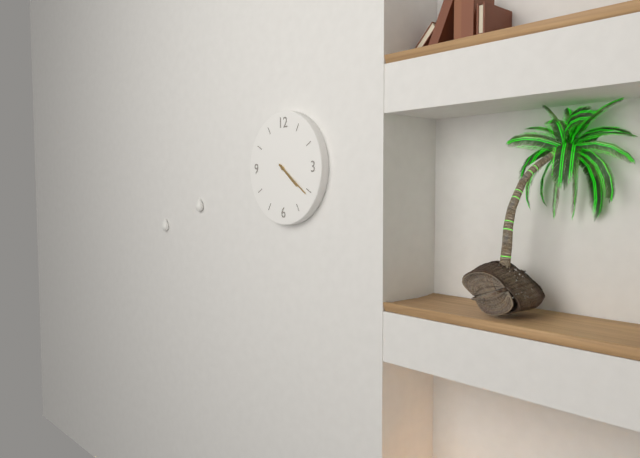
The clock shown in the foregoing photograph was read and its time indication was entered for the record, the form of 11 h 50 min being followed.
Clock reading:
4 h 21 min
